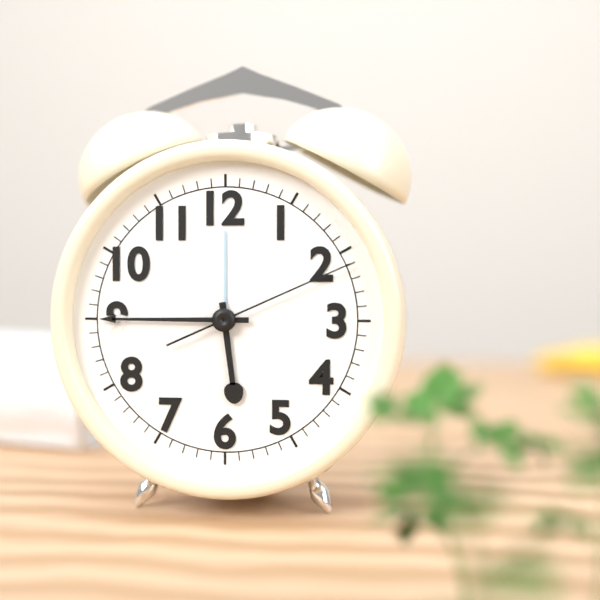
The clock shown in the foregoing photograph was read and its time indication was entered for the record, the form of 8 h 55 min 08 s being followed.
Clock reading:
5 h 45 min 11 s
